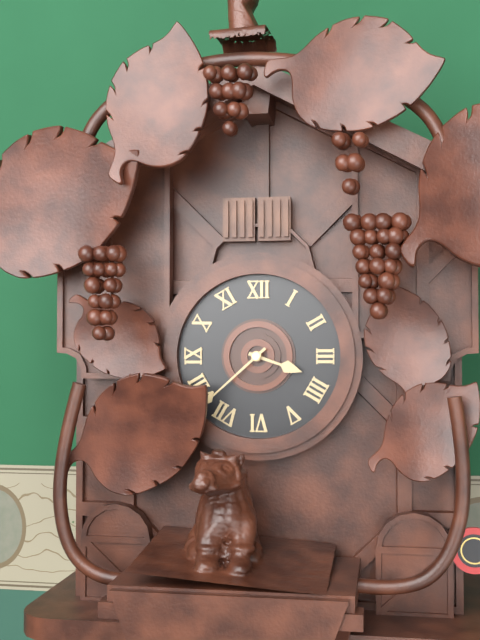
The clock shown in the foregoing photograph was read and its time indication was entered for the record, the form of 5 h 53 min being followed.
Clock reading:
3 h 38 min
